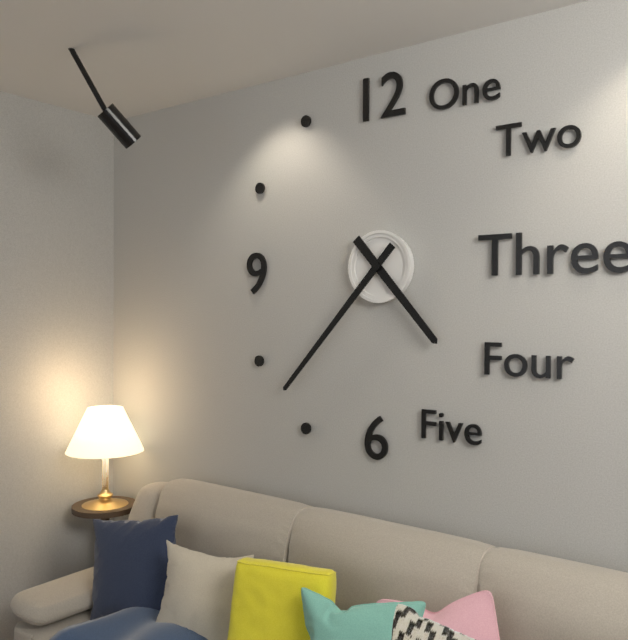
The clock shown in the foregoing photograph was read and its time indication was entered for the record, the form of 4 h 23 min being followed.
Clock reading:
4 h 37 min
